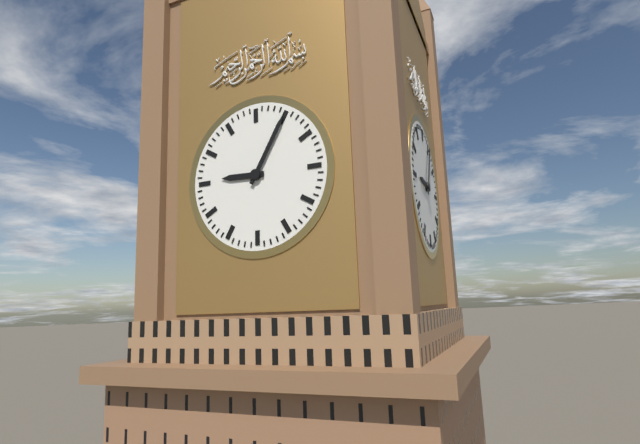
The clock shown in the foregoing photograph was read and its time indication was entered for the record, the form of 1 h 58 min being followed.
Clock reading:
9 h 05 min
